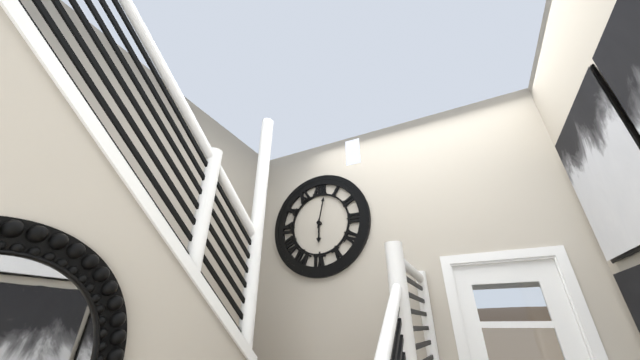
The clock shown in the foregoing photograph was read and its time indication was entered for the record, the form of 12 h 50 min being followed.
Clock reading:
6 h 02 min
